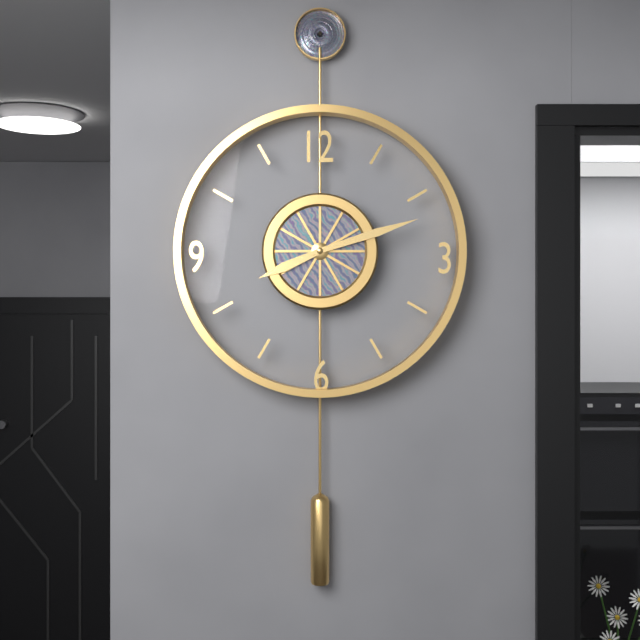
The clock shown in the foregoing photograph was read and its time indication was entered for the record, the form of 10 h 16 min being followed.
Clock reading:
8 h 12 min
